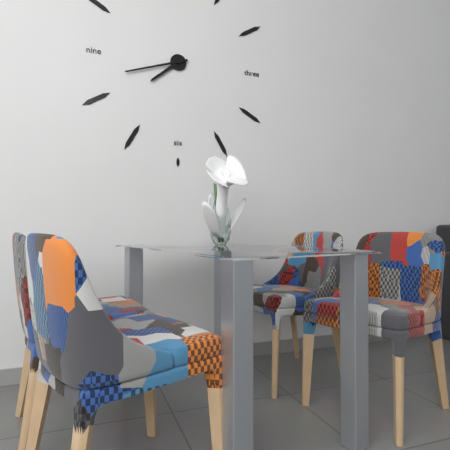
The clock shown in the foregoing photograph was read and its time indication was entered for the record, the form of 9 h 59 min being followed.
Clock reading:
7 h 42 min
